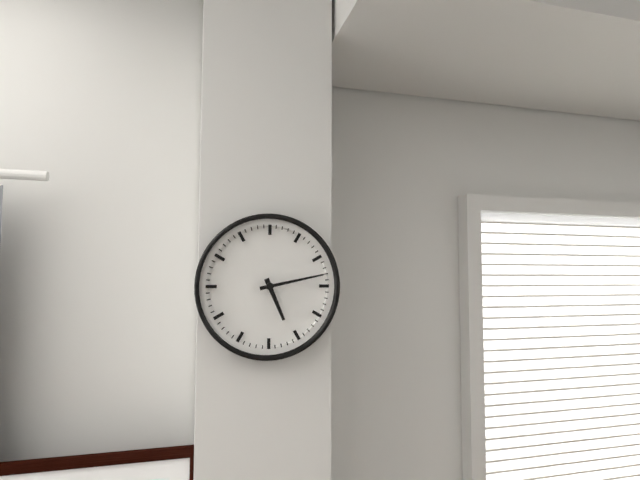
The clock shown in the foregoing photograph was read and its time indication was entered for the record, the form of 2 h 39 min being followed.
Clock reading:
5 h 13 min
